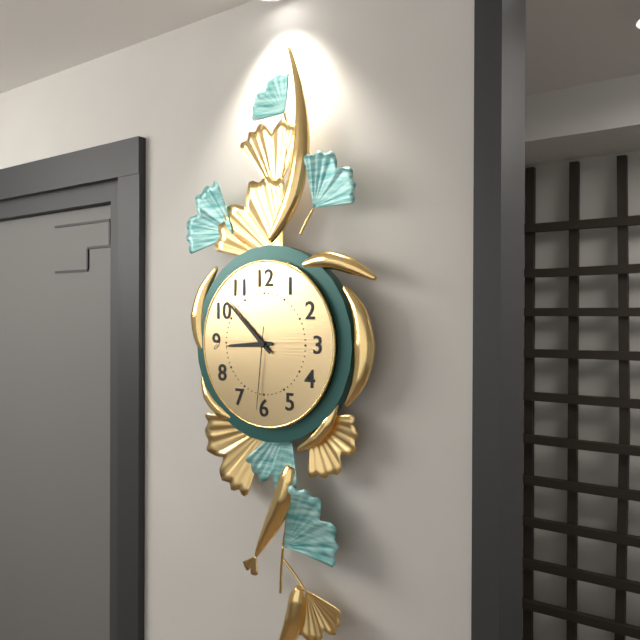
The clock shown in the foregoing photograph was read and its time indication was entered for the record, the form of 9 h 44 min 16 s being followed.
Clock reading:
8 h 52 min 31 s
